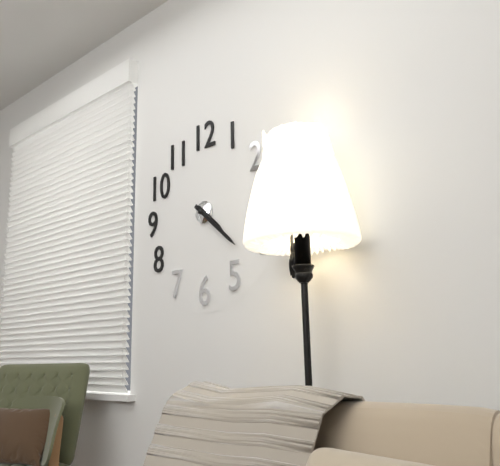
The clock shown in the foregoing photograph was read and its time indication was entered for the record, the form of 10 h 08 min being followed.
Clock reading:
4 h 22 min
